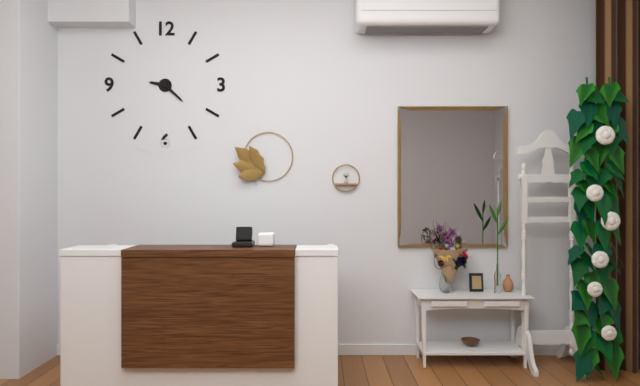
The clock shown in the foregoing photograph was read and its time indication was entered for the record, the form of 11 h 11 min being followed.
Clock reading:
9 h 22 min
